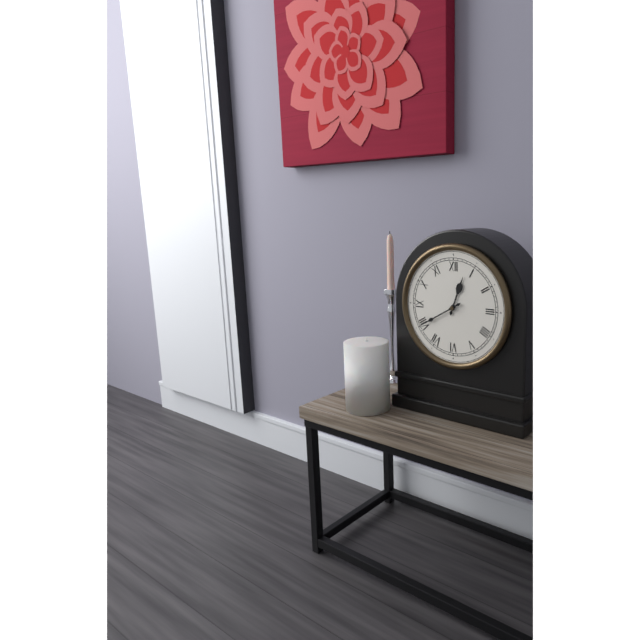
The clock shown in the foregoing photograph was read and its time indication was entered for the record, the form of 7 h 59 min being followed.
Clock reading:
12 h 40 min
